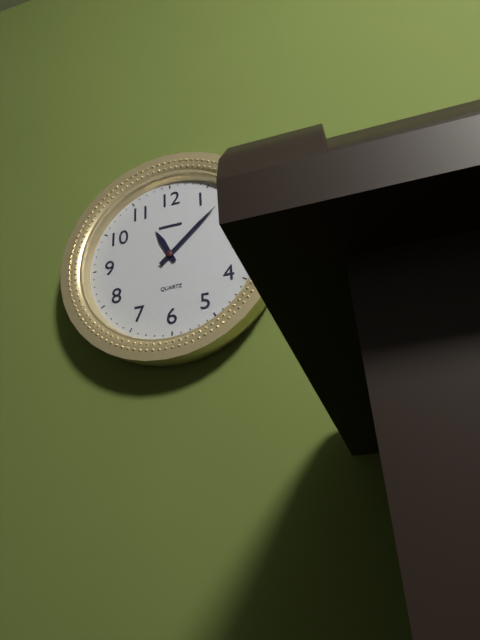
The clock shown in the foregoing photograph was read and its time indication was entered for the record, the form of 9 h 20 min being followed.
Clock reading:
11 h 08 min
